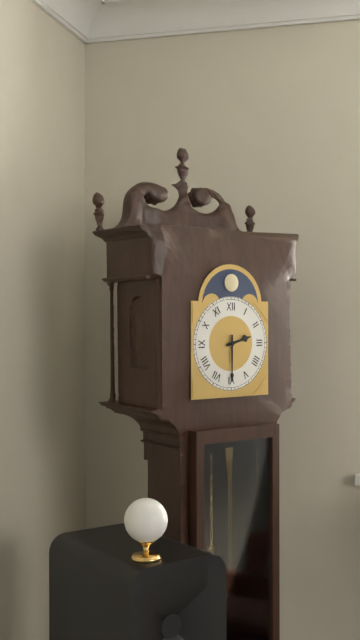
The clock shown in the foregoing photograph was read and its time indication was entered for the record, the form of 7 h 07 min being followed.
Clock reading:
2 h 30 min
